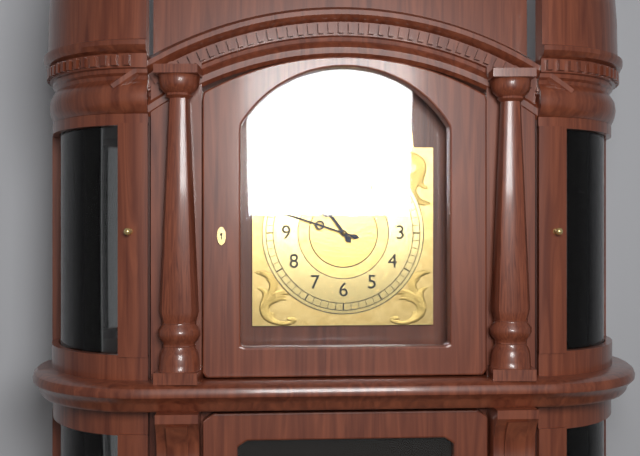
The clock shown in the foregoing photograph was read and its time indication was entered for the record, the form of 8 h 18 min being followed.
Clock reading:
10 h 48 min
